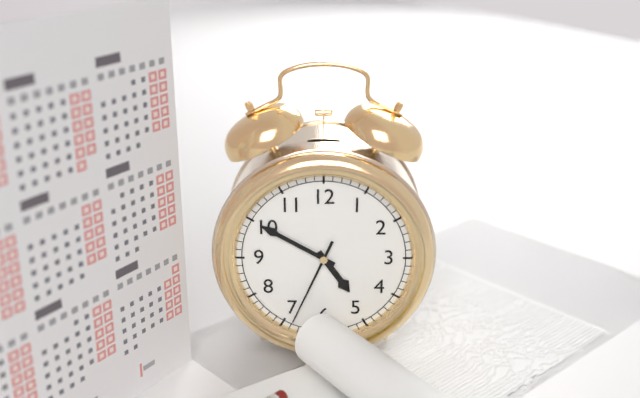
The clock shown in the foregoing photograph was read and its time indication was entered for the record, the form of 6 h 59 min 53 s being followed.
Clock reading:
4 h 50 min 34 s
